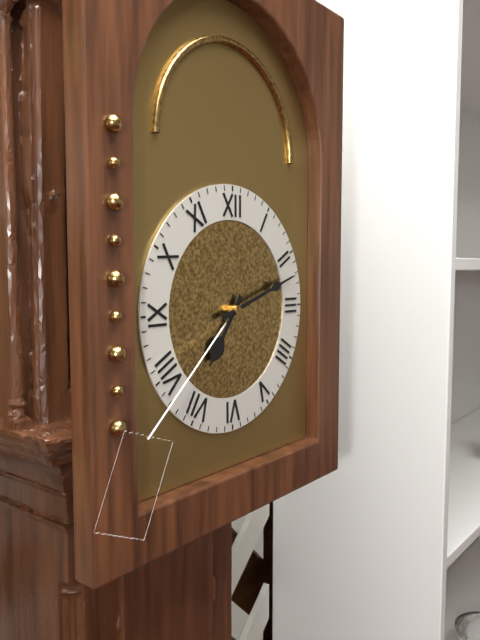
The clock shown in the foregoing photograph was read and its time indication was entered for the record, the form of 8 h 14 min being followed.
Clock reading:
7 h 12 min
